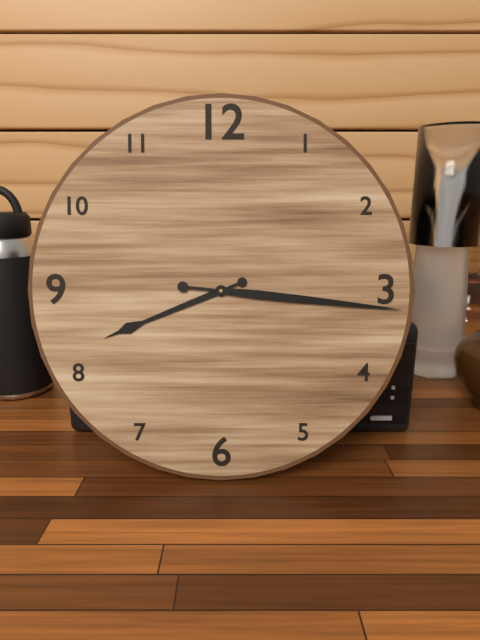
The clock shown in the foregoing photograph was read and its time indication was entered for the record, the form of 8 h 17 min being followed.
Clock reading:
8 h 16 min
